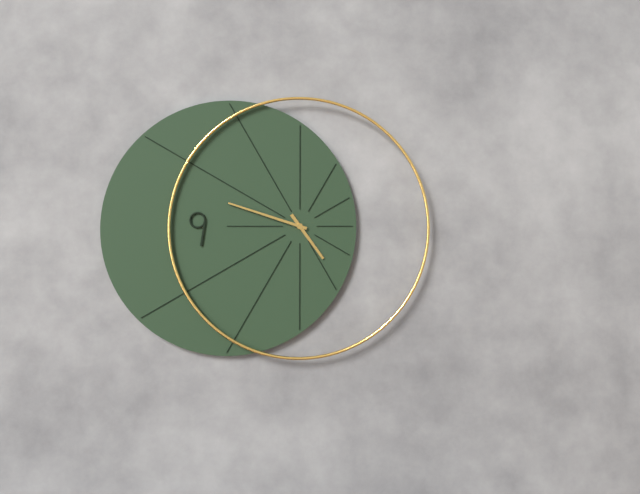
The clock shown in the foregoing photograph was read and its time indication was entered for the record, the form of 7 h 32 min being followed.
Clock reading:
4 h 48 min
